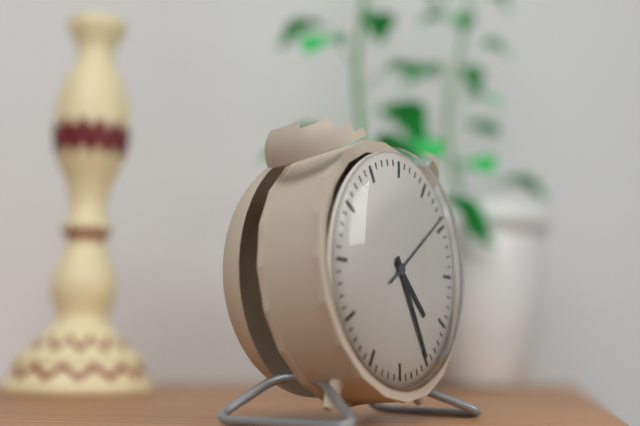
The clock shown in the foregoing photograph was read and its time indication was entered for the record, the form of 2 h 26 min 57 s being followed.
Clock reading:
4 h 25 min 09 s
